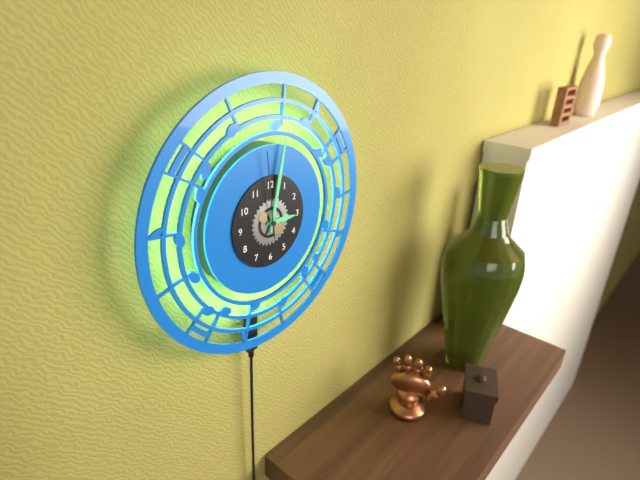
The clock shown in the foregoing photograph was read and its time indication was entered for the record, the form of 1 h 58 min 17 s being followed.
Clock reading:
3 h 02 min 59 s
